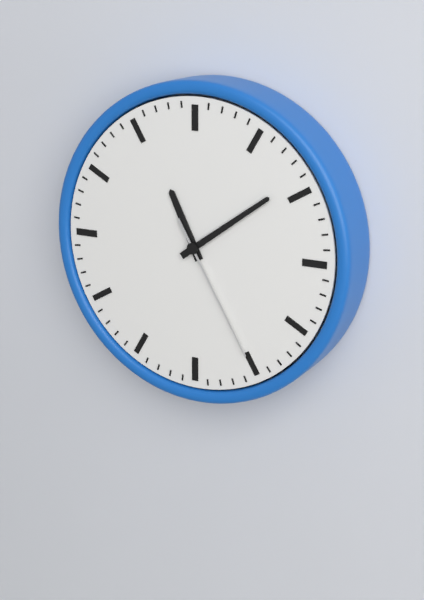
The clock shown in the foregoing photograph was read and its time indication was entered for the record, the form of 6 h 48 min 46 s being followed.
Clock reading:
11 h 09 min 25 s
